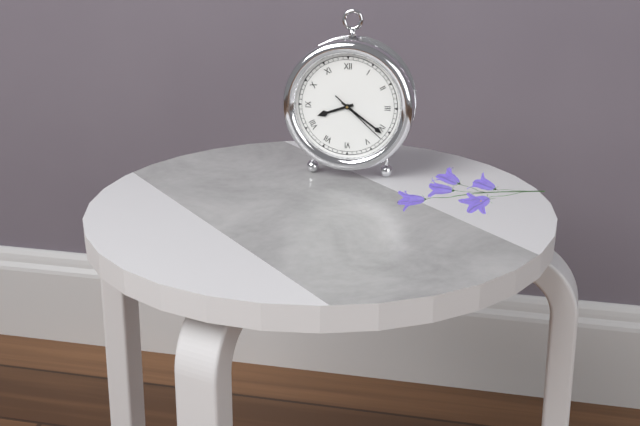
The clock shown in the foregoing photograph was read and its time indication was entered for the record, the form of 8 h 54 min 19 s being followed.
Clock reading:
8 h 21 min 22 s
